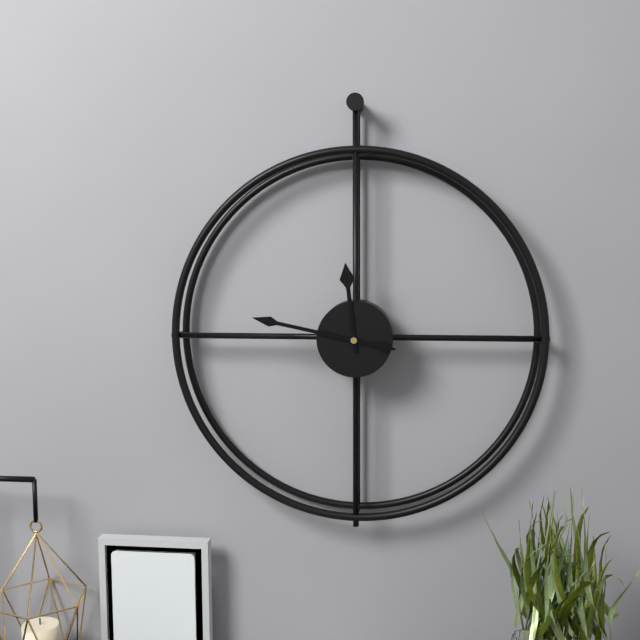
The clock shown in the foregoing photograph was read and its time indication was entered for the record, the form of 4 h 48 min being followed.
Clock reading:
11 h 47 min
